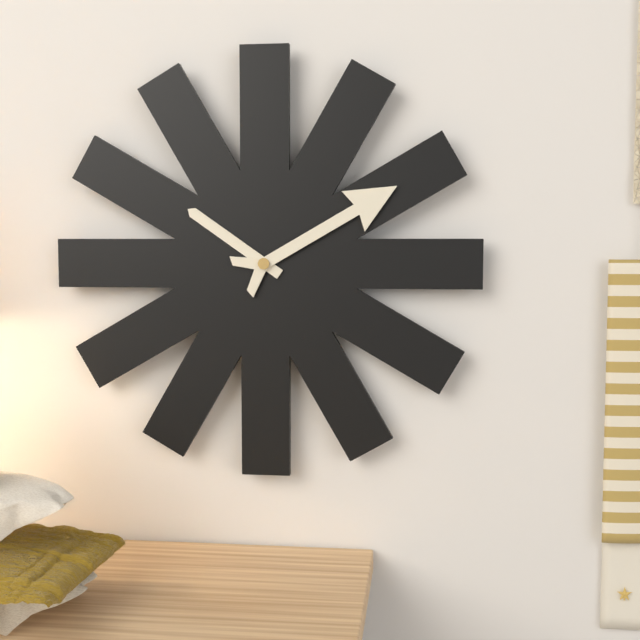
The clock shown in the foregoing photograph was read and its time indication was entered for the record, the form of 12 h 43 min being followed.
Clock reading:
10 h 10 min
